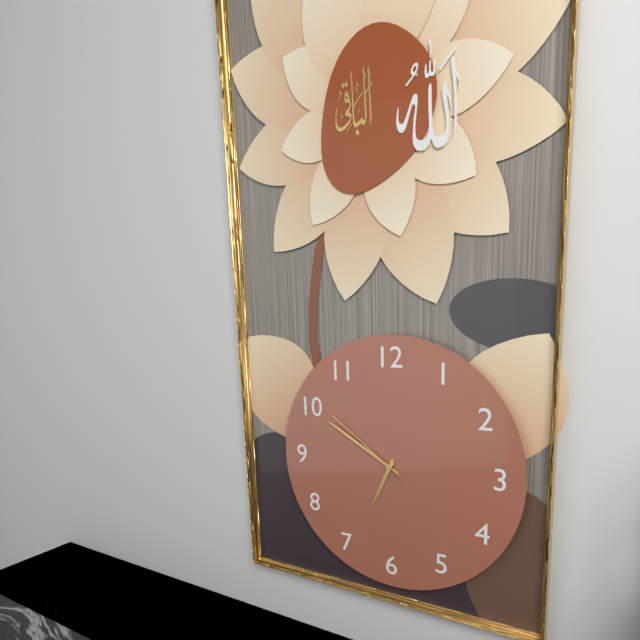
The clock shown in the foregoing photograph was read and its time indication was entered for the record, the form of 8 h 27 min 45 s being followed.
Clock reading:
6 h 50 min 51 s
